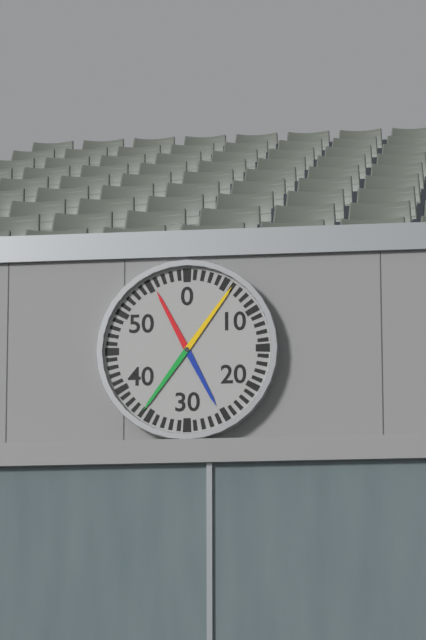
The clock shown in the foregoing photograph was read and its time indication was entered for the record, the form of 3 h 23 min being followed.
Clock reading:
11 h 06 min
